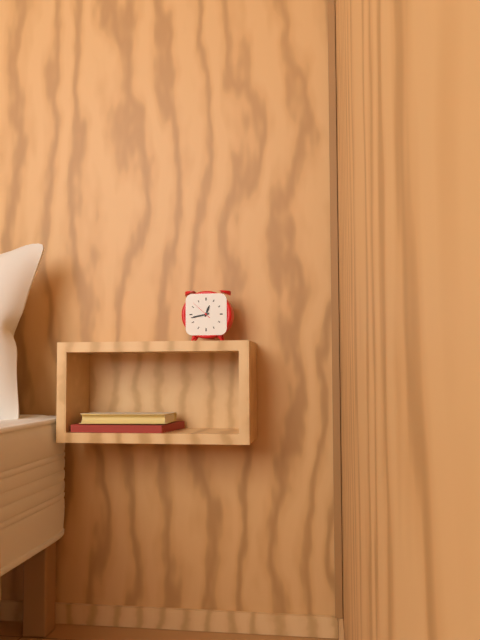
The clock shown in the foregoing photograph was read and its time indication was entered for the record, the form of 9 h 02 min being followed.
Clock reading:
12 h 43 min
